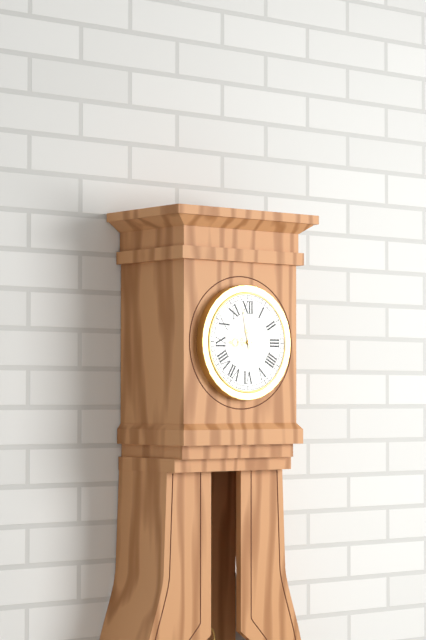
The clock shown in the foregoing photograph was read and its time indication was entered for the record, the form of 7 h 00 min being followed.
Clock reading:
8 h 58 min
